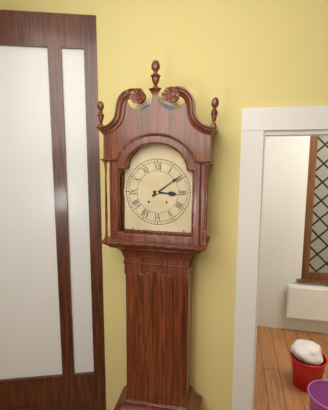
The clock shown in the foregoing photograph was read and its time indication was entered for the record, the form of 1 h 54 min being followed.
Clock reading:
3 h 09 min
